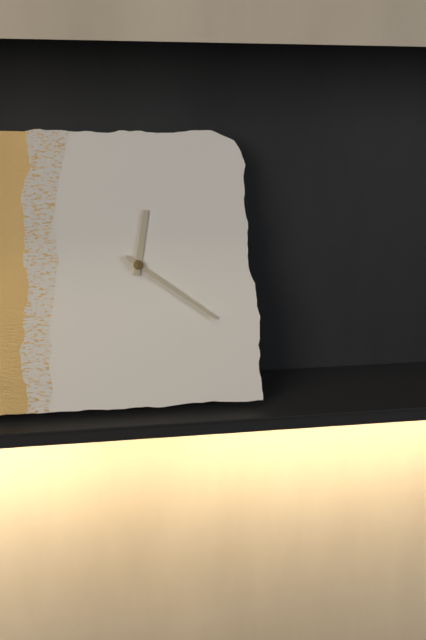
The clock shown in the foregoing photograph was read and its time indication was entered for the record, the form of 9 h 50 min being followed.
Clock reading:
12 h 21 min
